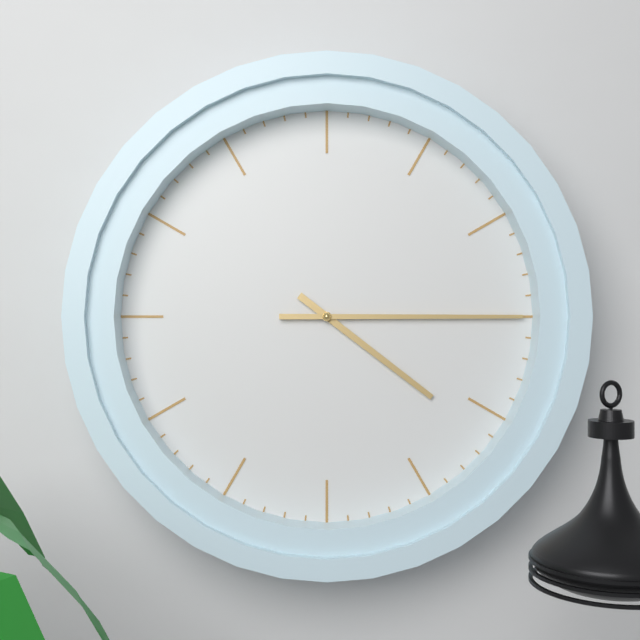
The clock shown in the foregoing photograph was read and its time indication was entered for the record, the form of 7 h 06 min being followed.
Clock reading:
4 h 15 min
